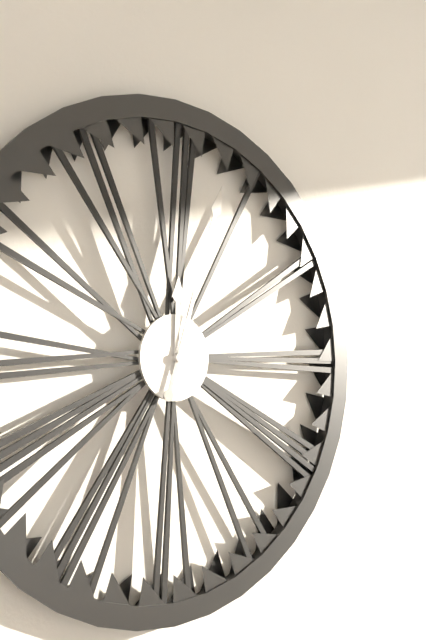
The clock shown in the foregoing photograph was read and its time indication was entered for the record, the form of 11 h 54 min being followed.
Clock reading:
12 h 03 min
